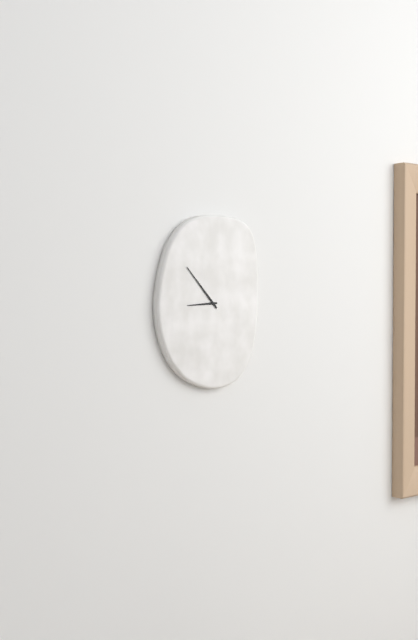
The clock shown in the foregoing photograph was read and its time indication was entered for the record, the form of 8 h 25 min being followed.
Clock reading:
8 h 53 min
